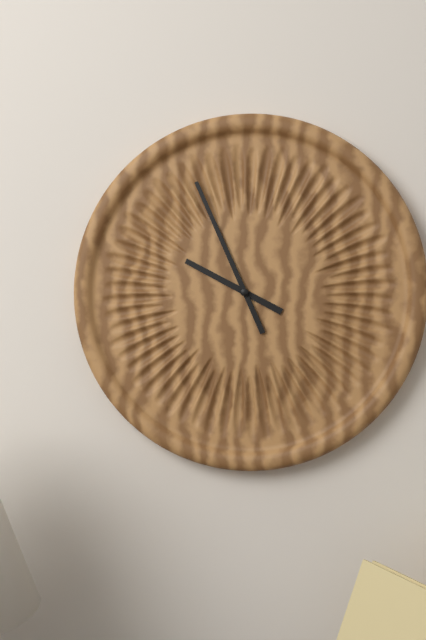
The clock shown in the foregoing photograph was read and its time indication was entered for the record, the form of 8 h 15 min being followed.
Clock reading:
9 h 56 min
